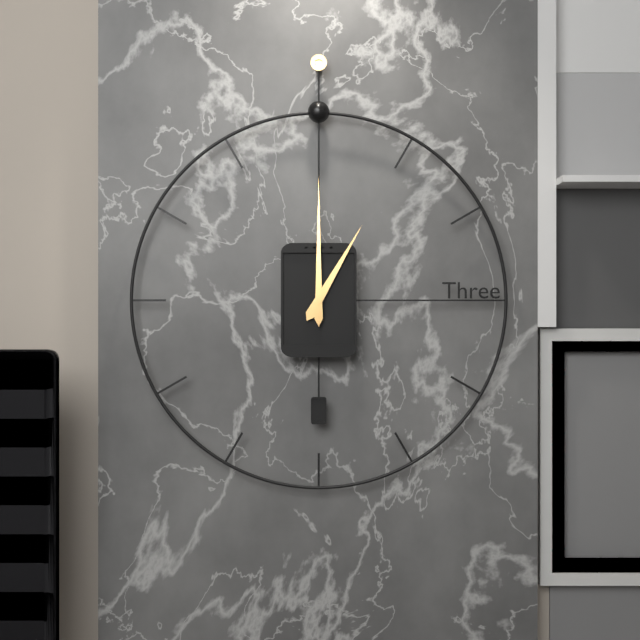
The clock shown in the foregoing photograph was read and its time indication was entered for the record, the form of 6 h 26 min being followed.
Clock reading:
1 h 00 min
